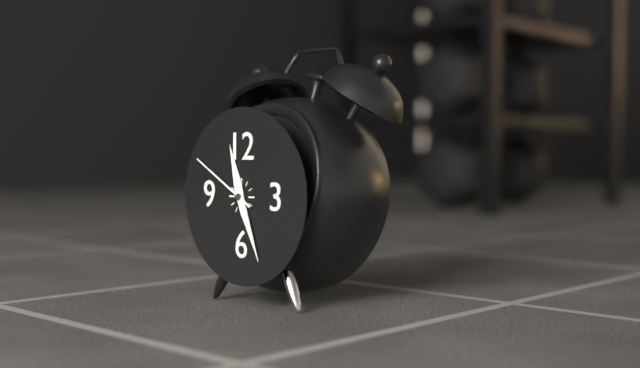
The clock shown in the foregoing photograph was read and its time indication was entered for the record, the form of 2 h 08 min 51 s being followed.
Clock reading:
11 h 26 min 50 s
